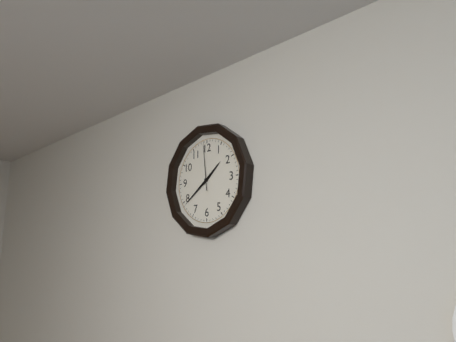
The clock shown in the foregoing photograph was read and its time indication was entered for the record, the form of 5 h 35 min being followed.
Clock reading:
1 h 39 min
